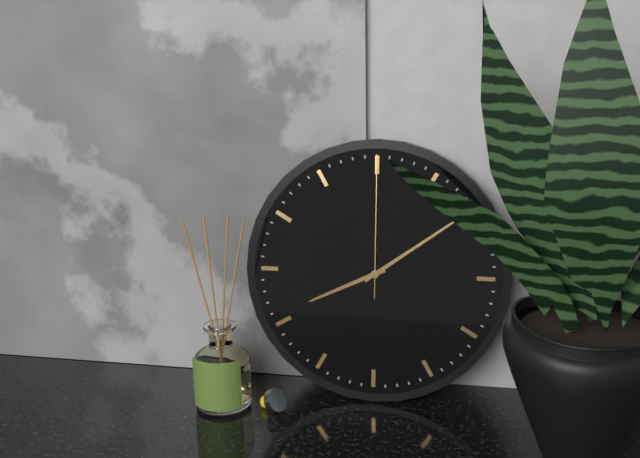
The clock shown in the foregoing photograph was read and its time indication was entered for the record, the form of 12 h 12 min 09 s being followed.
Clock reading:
8 h 09 min 00 s
